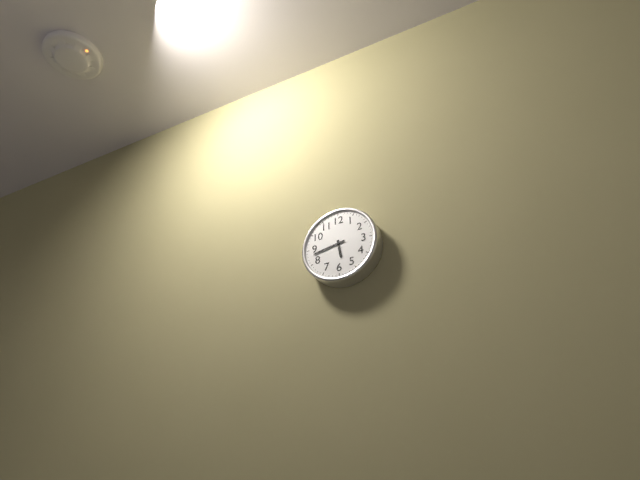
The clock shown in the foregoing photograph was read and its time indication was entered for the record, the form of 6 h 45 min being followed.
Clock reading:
5 h 43 min
